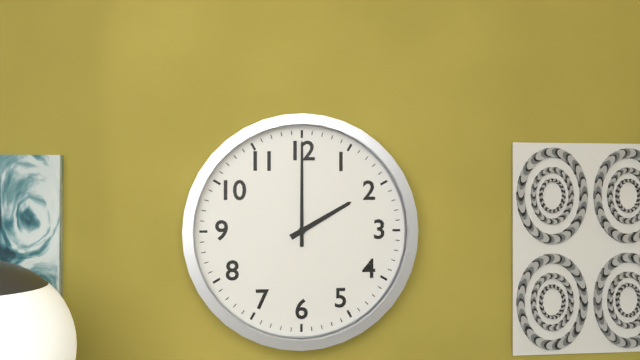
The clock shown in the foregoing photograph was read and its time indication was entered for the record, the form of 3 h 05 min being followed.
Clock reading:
2 h 00 min
